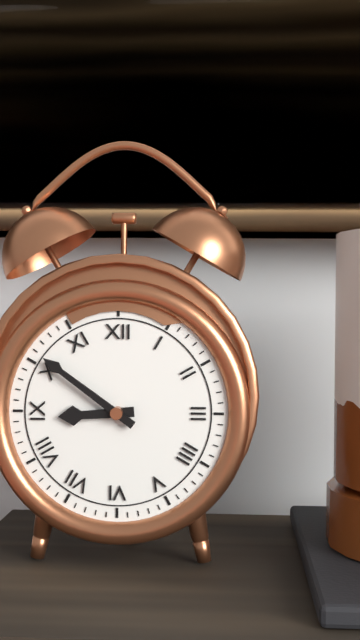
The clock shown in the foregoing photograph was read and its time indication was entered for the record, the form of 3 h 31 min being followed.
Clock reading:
8 h 51 min
